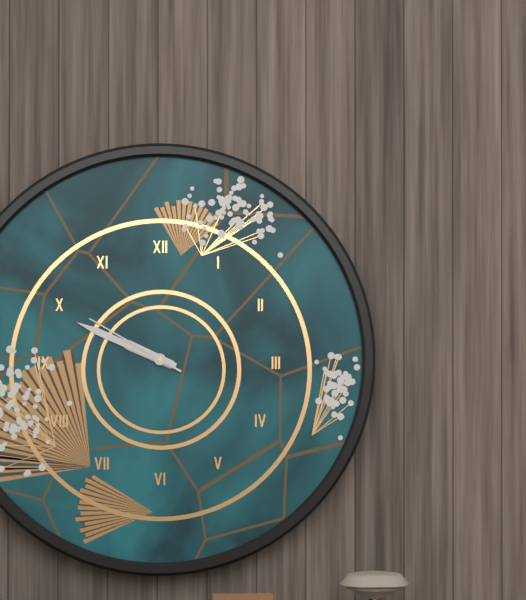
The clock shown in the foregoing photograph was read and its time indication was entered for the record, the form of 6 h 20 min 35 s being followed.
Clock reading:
9 h 49 min 50 s
